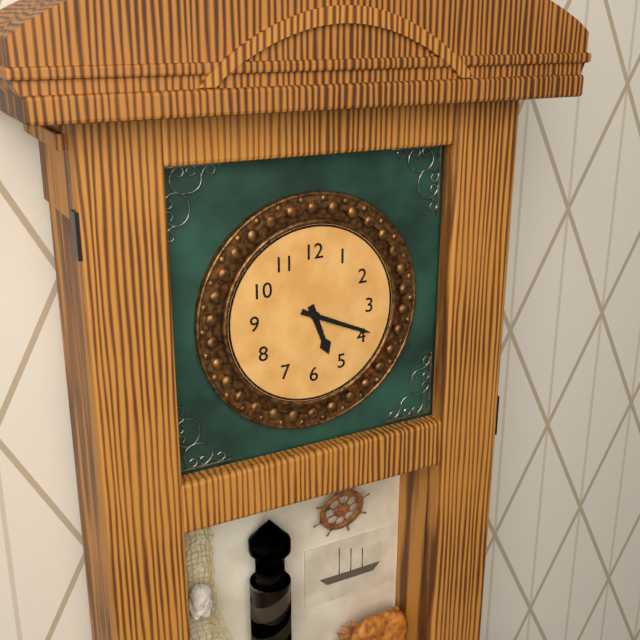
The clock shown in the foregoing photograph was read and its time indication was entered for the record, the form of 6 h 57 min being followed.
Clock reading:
5 h 19 min
